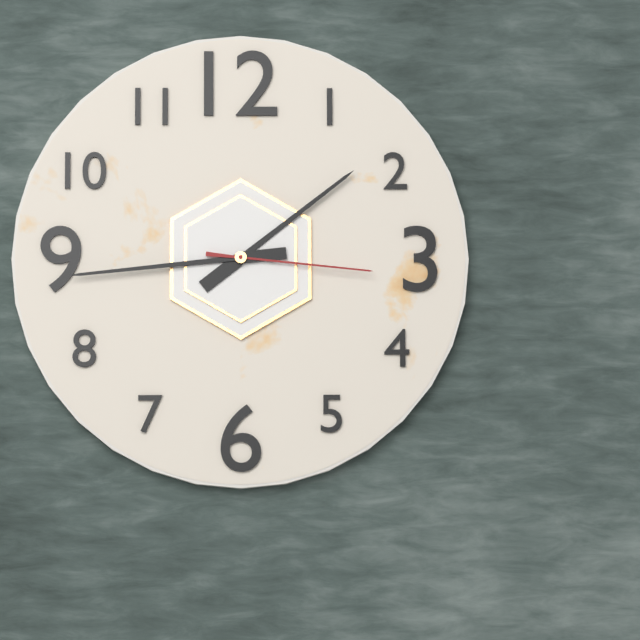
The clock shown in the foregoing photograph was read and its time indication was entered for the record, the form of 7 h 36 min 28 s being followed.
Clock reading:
1 h 44 min 16 s
